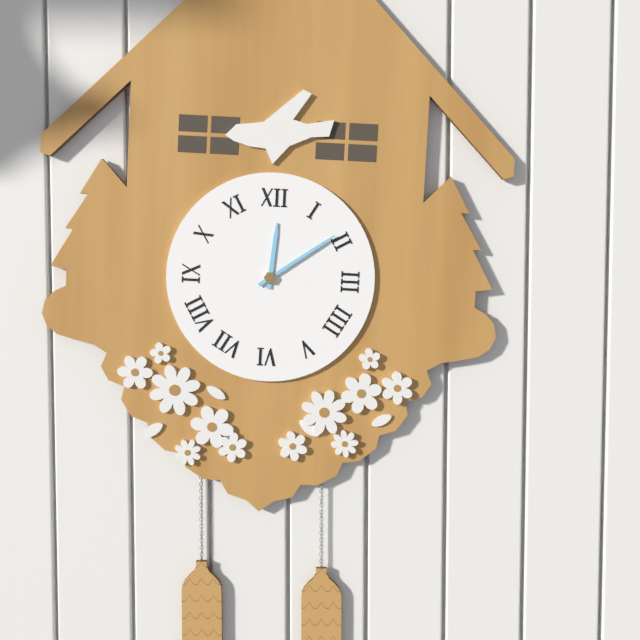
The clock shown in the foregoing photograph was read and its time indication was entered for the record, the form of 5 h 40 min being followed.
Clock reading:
12 h 09 min
